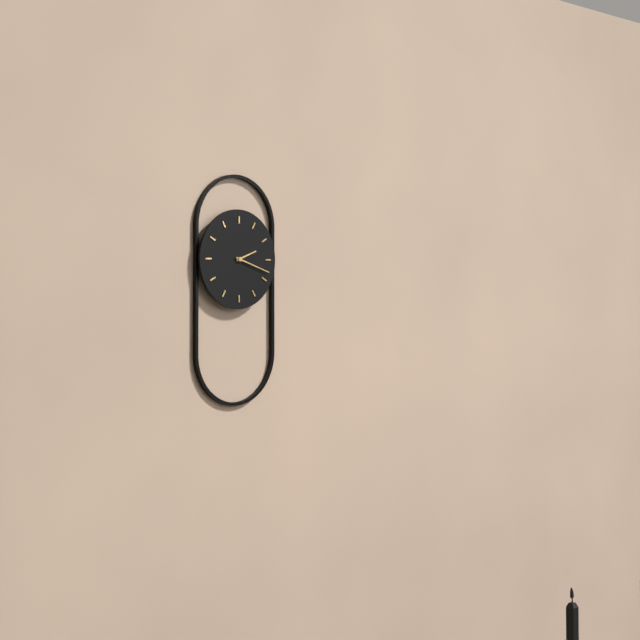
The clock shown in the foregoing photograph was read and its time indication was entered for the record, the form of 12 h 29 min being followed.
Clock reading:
2 h 18 min
